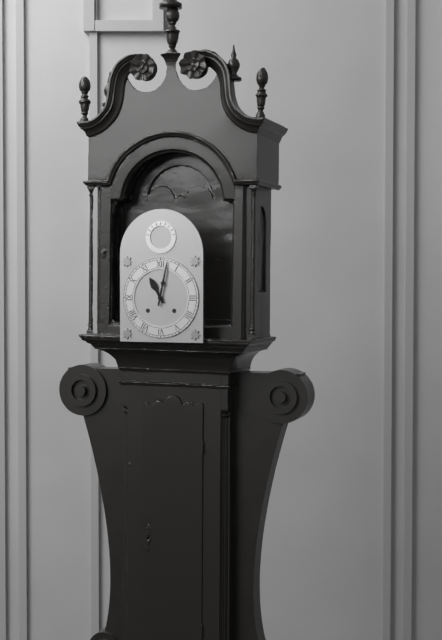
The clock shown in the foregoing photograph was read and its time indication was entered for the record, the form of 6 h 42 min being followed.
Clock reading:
11 h 02 min
